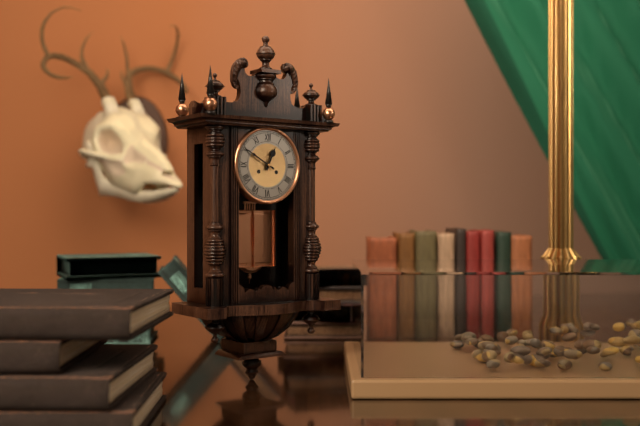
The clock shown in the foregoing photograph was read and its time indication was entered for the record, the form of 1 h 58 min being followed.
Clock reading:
12 h 50 min
